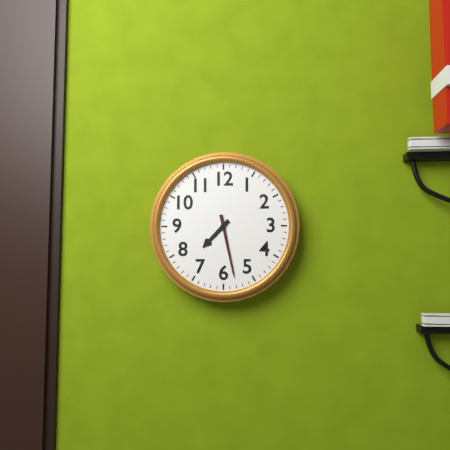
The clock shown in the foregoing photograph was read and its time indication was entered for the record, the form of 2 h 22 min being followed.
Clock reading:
7 h 28 min
